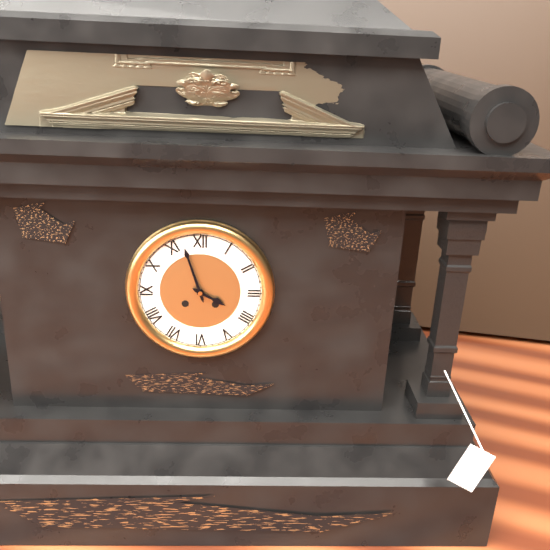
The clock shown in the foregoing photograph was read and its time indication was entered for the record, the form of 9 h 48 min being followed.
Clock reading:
3 h 57 min
